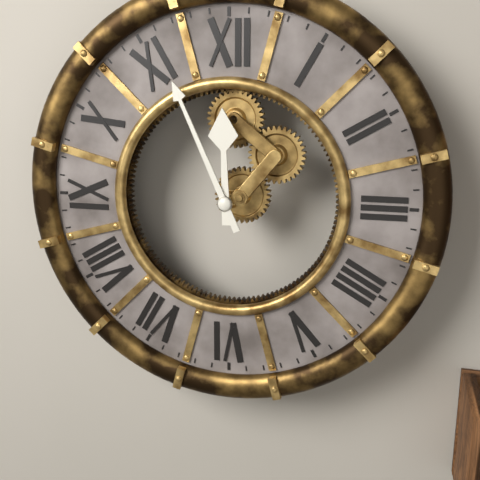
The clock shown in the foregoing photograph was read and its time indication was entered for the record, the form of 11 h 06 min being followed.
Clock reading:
11 h 56 min
